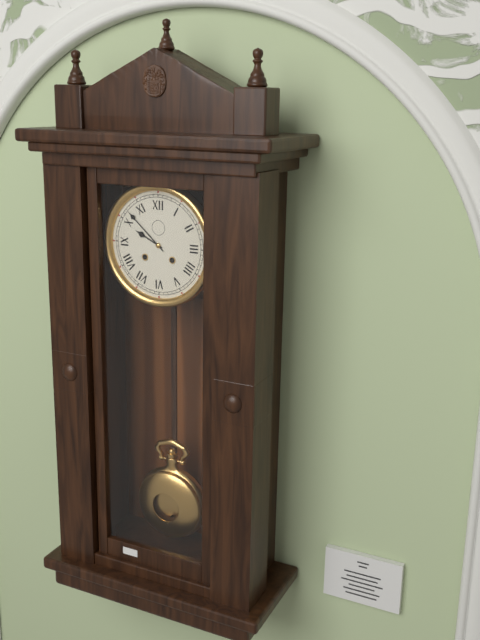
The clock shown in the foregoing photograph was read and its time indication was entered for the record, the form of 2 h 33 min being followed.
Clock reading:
9 h 52 min
